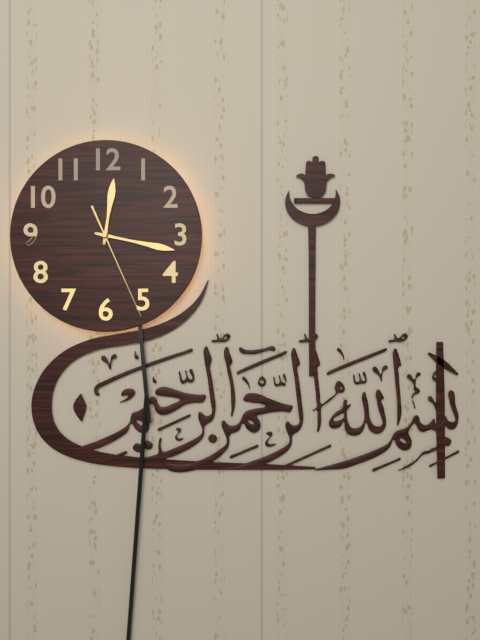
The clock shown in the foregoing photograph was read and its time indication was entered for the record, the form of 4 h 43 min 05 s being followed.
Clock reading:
12 h 17 min 26 s
